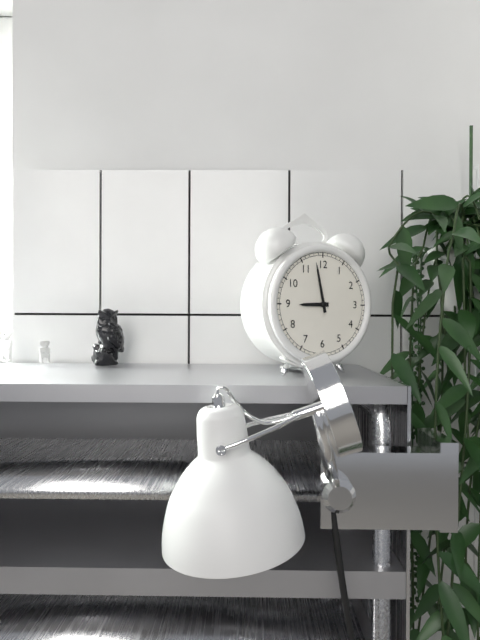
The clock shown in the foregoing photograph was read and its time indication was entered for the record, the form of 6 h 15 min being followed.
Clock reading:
8 h 58 min
